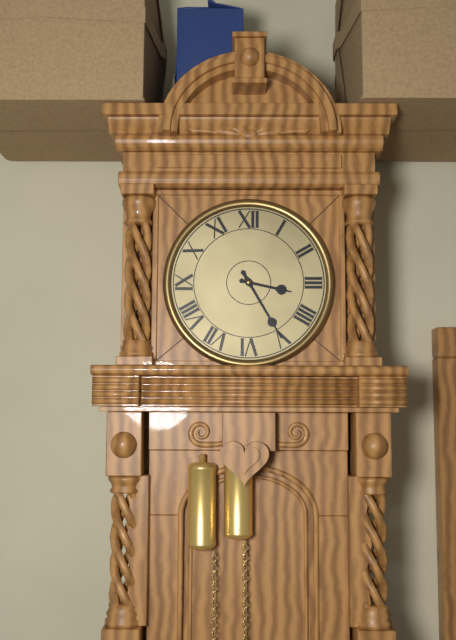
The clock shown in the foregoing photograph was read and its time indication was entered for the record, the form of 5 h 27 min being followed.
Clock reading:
3 h 25 min
